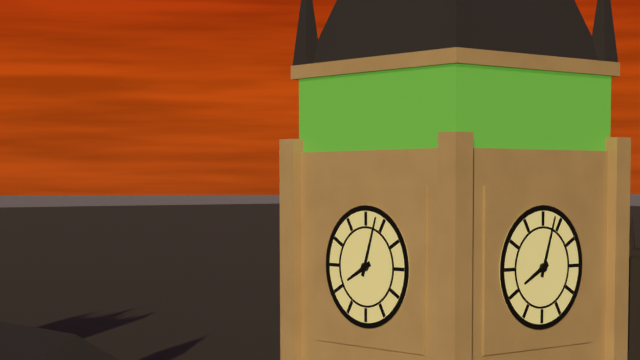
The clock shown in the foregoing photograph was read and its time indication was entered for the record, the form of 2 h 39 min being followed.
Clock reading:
8 h 03 min
